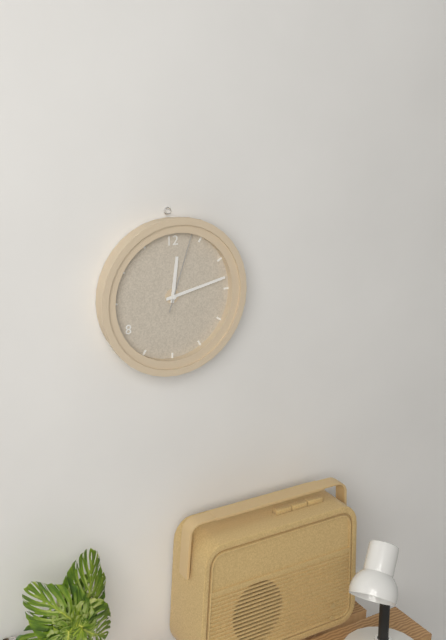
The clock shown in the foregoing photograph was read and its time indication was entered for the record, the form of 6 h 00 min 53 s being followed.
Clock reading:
12 h 13 min 03 s
